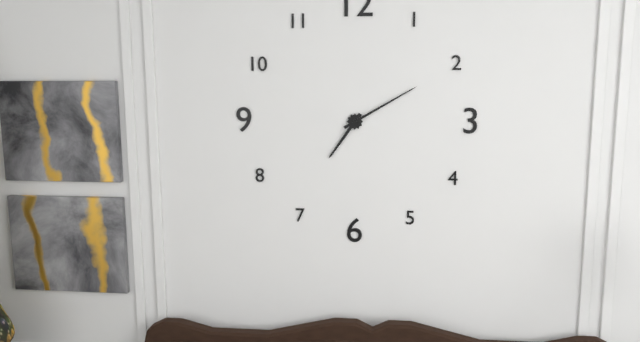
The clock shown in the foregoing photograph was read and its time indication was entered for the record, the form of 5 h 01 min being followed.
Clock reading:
7 h 10 min
